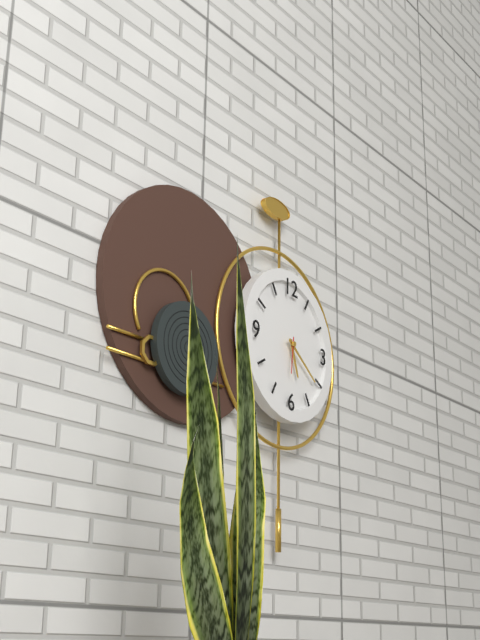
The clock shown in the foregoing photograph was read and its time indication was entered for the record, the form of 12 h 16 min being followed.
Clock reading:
5 h 21 min
